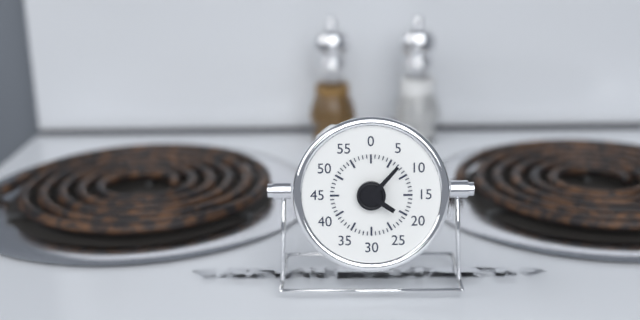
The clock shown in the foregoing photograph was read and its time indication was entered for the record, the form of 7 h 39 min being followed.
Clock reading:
4 h 07 min
